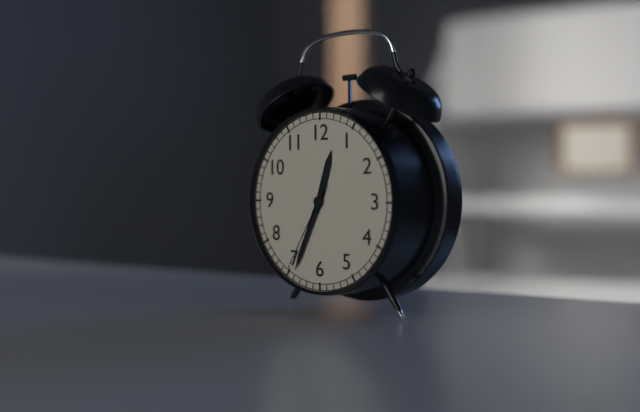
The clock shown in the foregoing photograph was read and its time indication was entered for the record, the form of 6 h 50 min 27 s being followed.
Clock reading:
12 h 34 min 35 s
